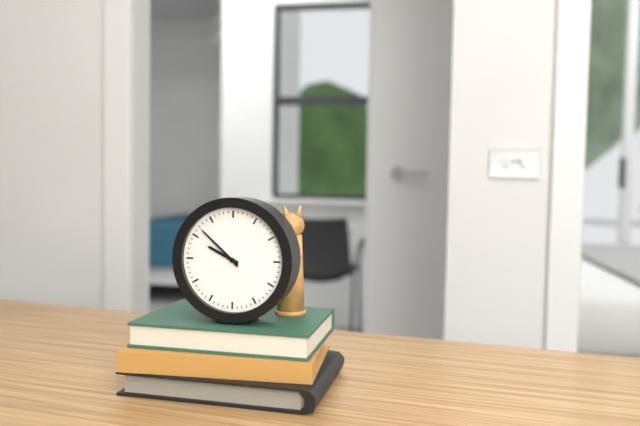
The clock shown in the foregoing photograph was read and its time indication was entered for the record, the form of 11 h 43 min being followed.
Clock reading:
9 h 52 min
